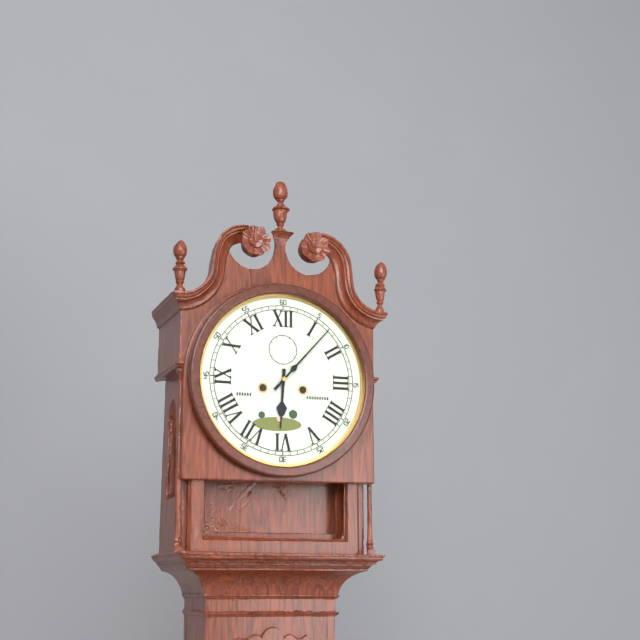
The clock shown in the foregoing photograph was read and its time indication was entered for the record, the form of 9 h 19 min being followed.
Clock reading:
6 h 07 min
